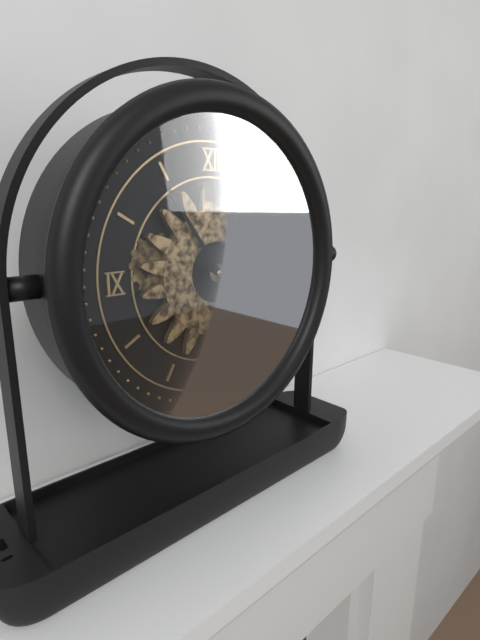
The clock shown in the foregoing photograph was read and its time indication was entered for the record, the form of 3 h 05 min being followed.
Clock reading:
3 h 54 min
